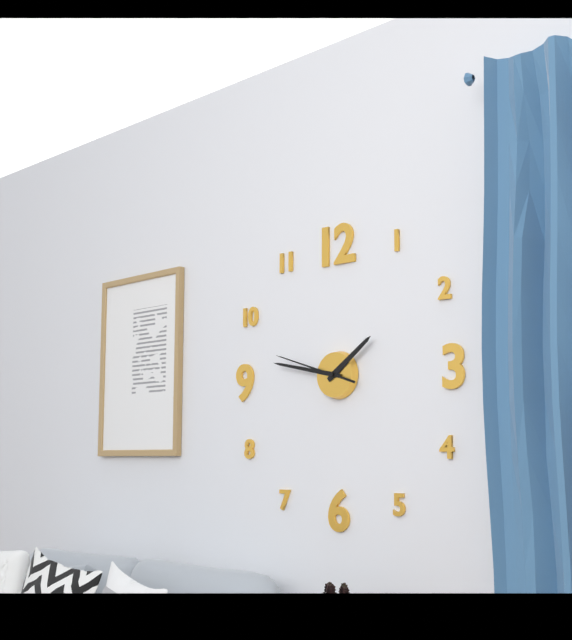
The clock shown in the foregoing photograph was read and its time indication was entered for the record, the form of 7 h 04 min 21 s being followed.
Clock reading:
1 h 47 min 48 s
